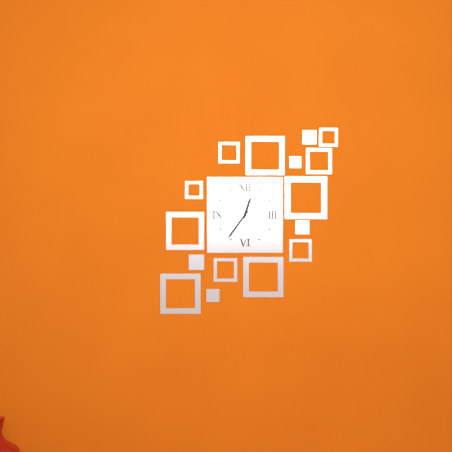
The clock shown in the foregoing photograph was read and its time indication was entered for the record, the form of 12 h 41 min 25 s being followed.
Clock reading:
12 h 36 min 52 s
